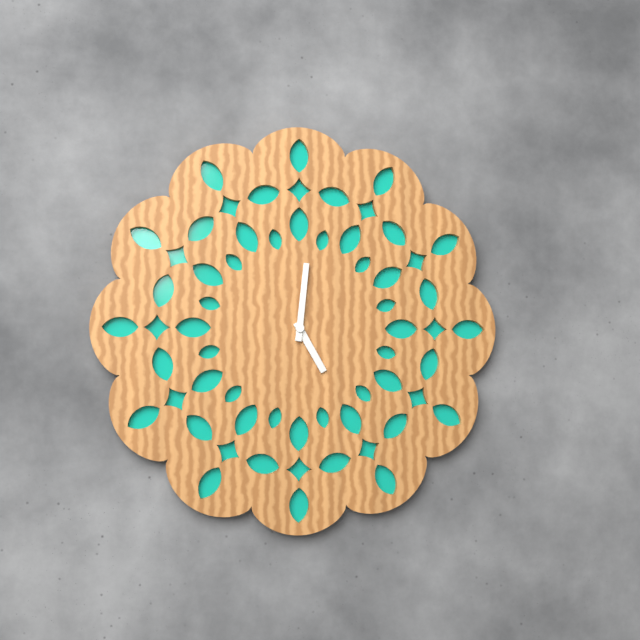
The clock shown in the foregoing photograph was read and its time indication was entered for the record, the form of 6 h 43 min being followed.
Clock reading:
5 h 01 min
